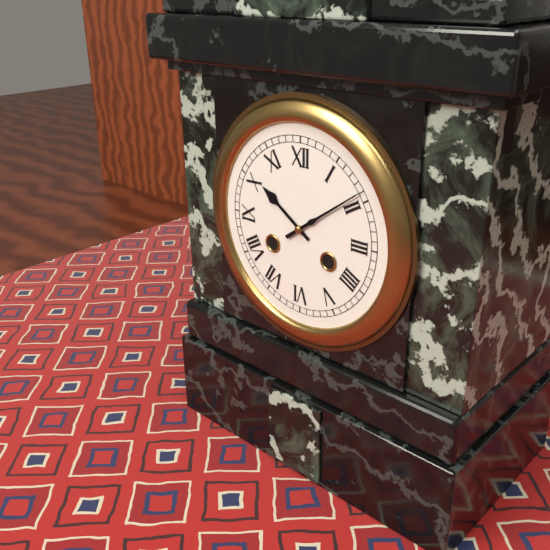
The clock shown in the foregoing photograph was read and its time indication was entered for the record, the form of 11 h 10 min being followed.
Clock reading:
10 h 09 min
